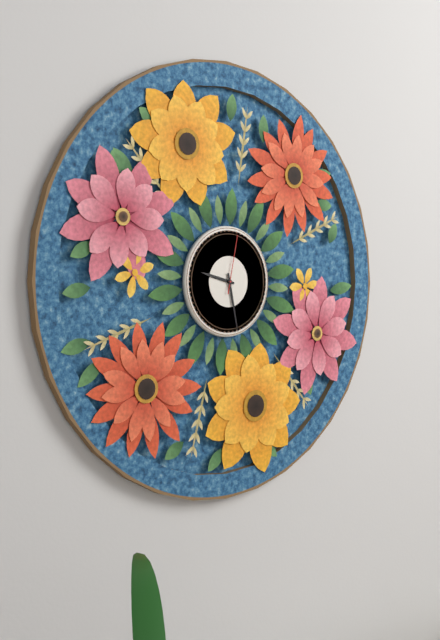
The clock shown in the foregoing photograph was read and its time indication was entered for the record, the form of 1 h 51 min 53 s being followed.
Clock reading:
9 h 28 min 02 s
